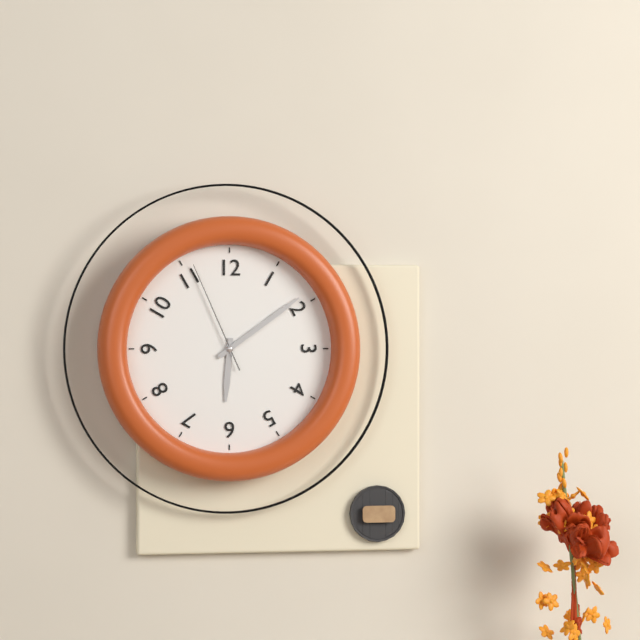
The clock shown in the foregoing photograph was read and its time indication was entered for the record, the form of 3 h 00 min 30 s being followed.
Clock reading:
6 h 09 min 56 s
